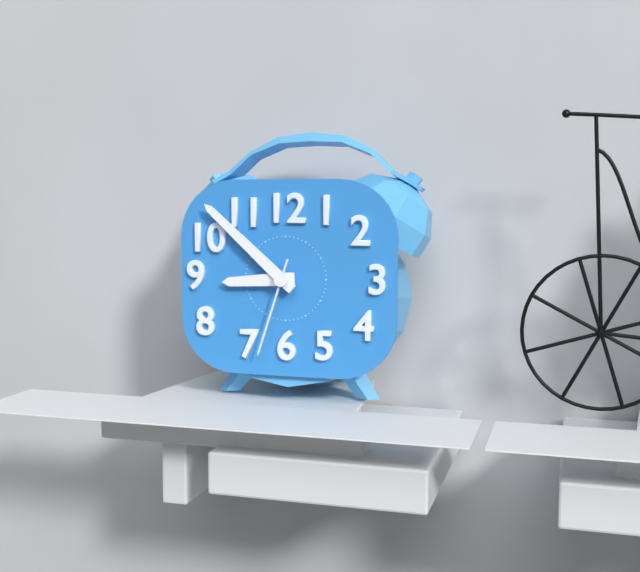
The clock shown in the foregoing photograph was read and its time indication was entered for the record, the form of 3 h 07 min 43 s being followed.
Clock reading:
8 h 52 min 33 s
